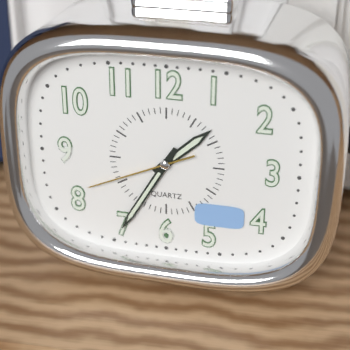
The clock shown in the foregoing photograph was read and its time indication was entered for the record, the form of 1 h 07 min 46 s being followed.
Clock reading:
1 h 35 min 41 s
